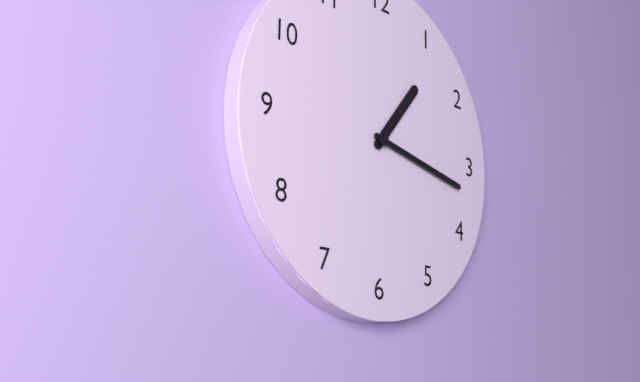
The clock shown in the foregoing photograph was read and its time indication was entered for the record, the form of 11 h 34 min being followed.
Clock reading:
1 h 17 min
